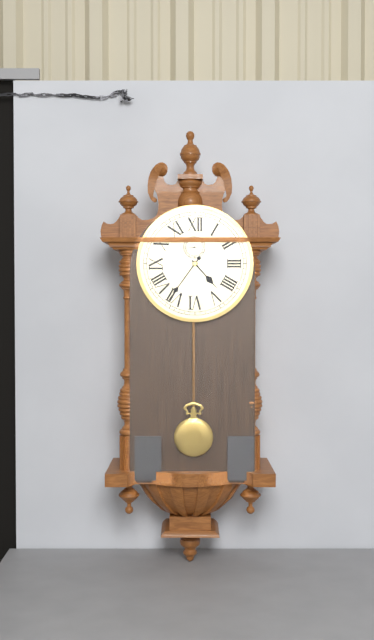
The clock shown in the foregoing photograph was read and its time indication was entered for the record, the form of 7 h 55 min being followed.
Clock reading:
4 h 36 min
